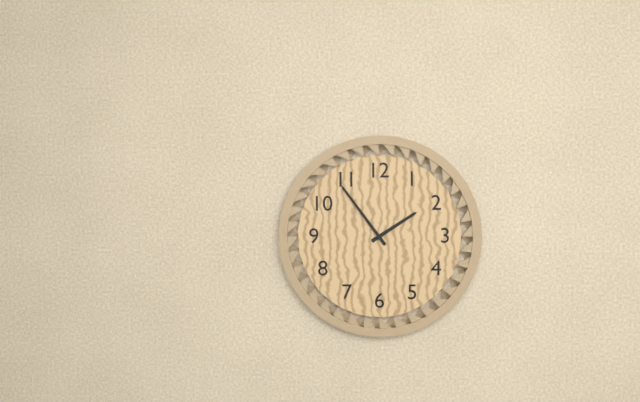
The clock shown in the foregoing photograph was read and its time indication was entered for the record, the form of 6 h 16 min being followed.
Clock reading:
1 h 54 min
